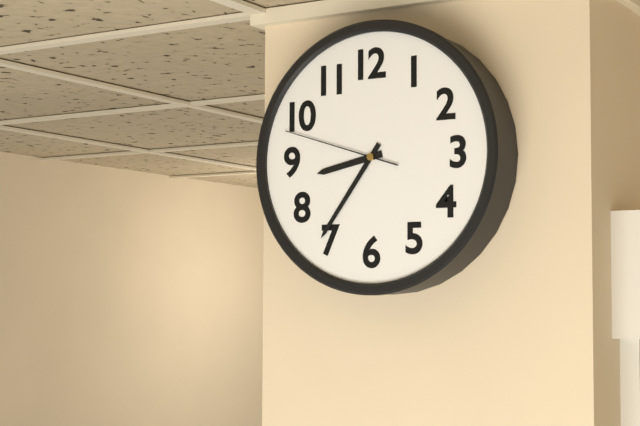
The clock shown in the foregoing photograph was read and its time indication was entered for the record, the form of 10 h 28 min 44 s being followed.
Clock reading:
8 h 36 min 48 s
